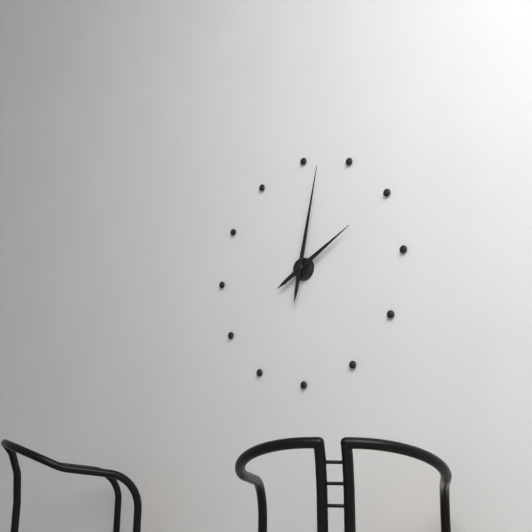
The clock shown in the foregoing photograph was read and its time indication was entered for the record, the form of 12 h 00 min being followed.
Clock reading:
2 h 02 min
